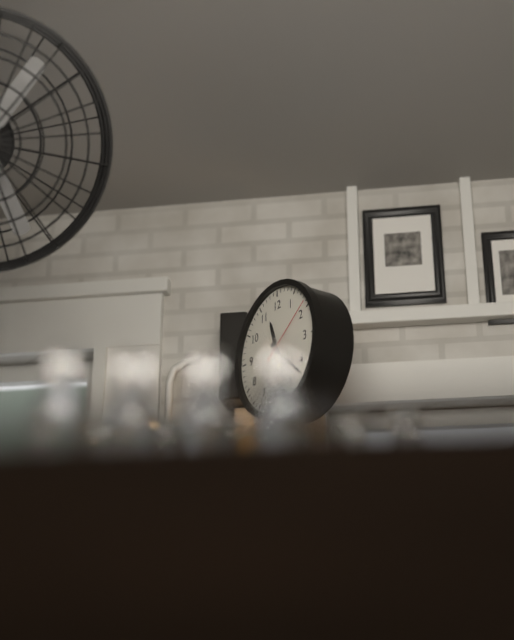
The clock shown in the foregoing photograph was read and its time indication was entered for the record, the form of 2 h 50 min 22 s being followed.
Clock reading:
11 h 22 min 09 s
